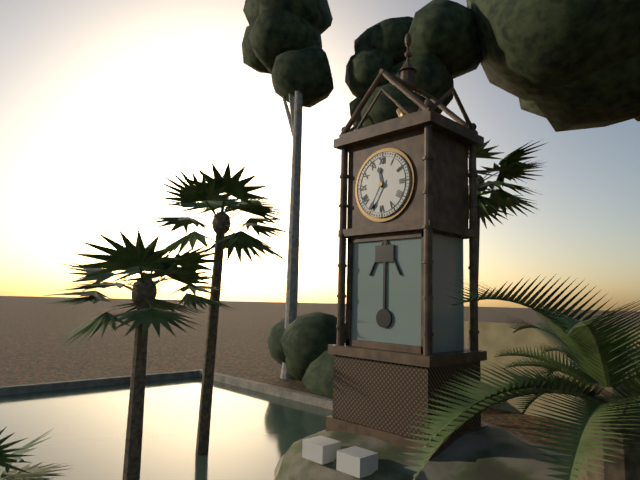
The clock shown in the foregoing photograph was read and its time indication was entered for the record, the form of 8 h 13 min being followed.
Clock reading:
11 h 35 min
